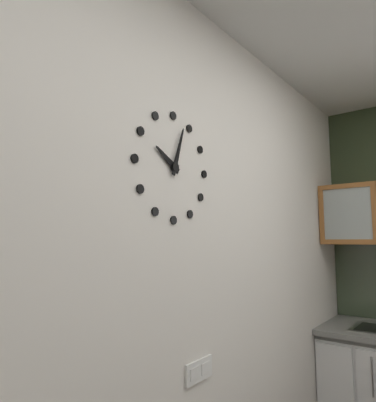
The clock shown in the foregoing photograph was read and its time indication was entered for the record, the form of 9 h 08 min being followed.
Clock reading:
10 h 03 min
